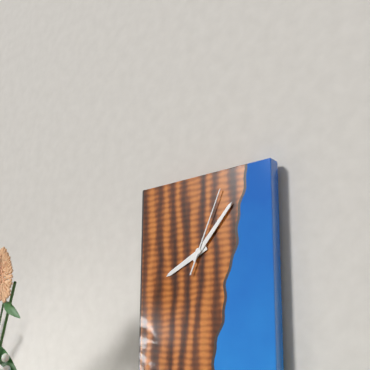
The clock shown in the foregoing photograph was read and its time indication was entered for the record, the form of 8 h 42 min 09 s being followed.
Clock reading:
8 h 07 min 04 s
